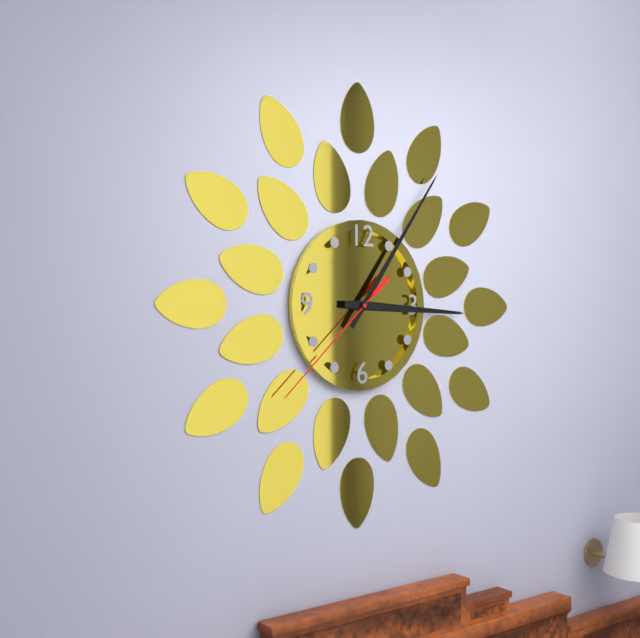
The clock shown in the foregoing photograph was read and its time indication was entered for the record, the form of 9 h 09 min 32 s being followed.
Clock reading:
3 h 06 min 38 s
